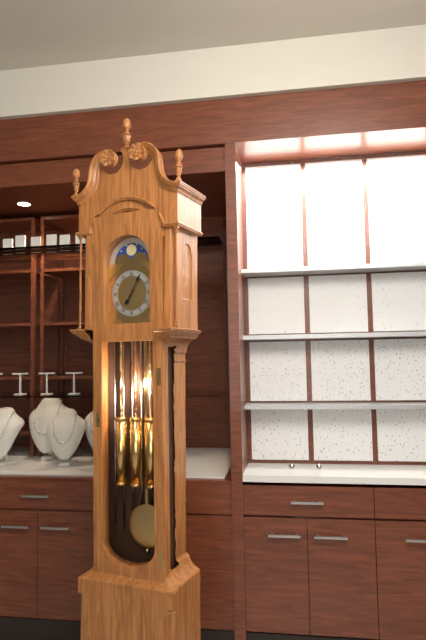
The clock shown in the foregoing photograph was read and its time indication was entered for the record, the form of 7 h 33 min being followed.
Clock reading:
7 h 05 min
